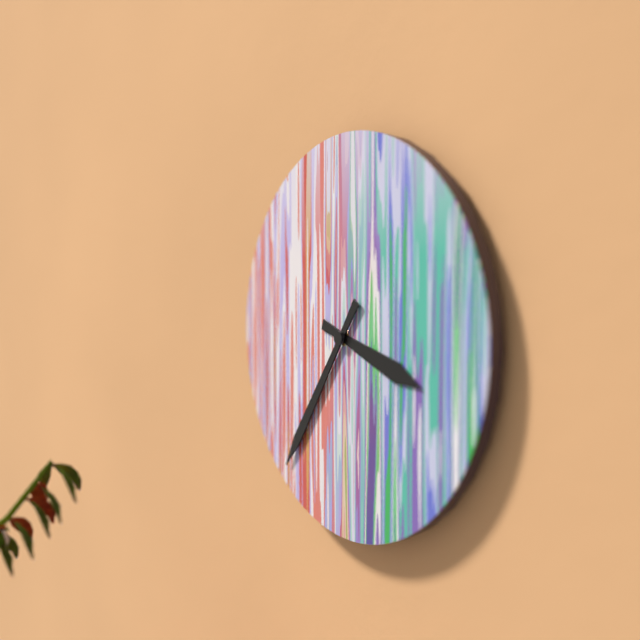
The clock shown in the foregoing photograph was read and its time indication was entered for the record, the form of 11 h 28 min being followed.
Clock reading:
3 h 36 min
